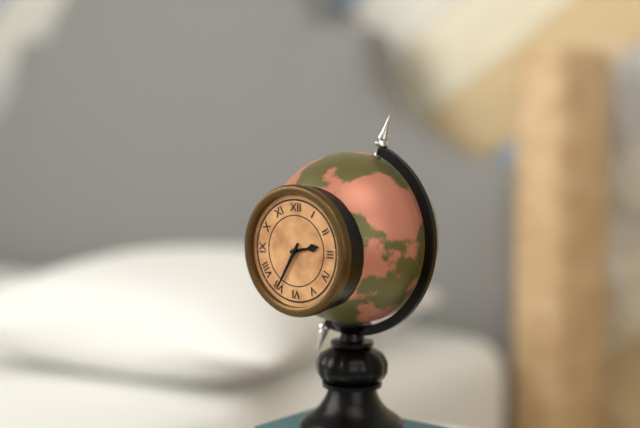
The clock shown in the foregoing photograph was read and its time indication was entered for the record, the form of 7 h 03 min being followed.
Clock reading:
2 h 35 min
